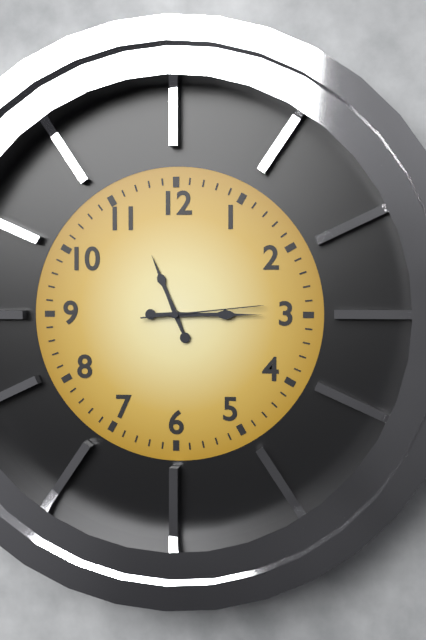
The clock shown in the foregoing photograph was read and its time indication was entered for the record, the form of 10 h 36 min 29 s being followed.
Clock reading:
11 h 15 min 14 s
